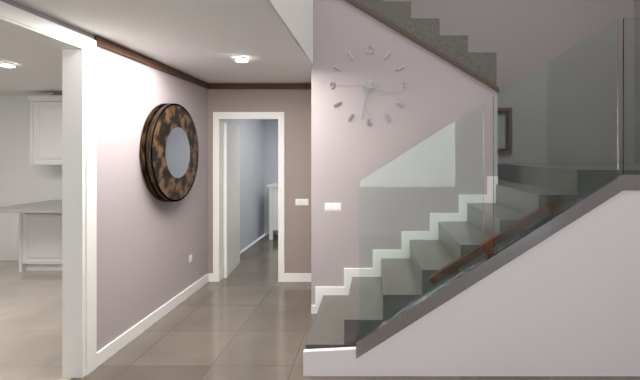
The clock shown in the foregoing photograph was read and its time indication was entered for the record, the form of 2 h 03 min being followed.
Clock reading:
3 h 32 min
